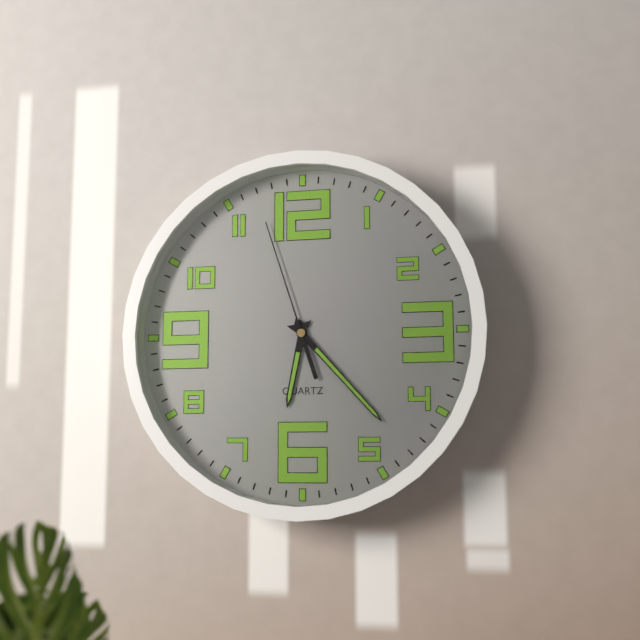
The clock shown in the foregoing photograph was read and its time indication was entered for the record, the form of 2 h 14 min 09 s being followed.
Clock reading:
6 h 23 min 57 s
